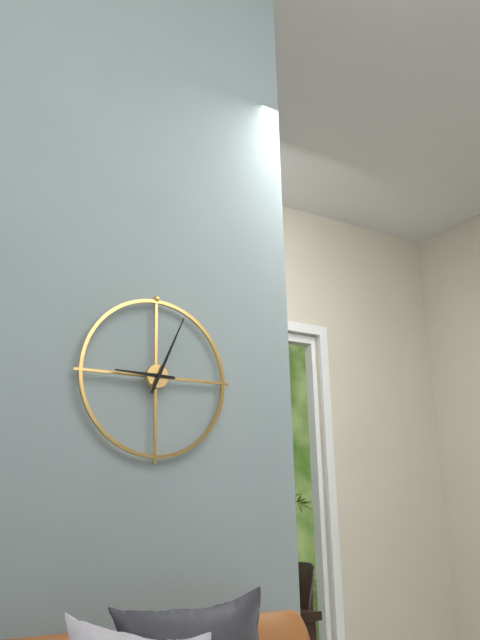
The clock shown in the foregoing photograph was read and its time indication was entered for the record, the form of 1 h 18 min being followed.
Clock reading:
9 h 04 min
